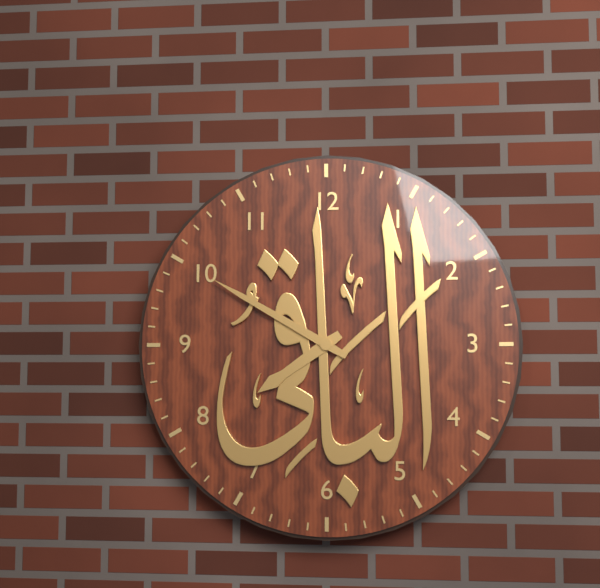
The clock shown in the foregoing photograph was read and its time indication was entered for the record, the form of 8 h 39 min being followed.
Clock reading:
7 h 50 min
